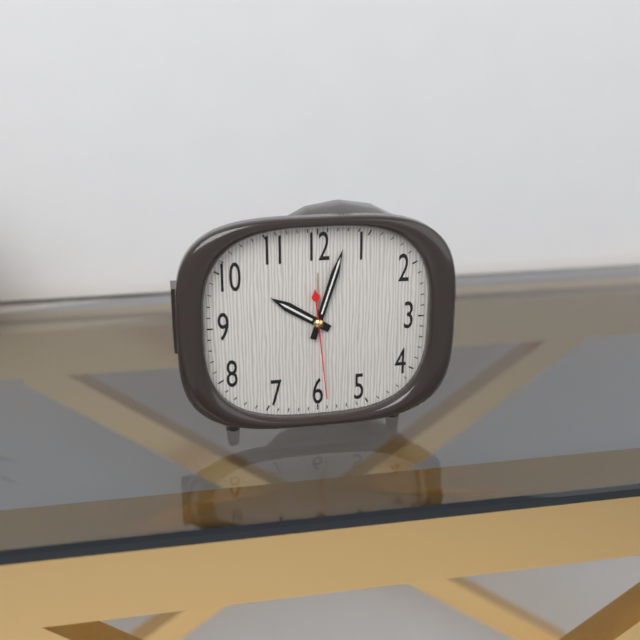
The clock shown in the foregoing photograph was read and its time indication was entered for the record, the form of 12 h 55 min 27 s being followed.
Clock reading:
10 h 03 min 29 s
